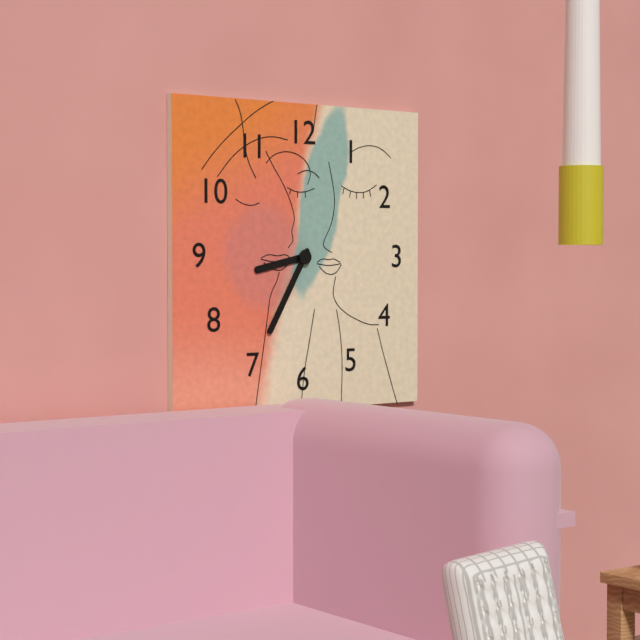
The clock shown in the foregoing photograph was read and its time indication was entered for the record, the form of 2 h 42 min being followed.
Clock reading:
8 h 35 min
